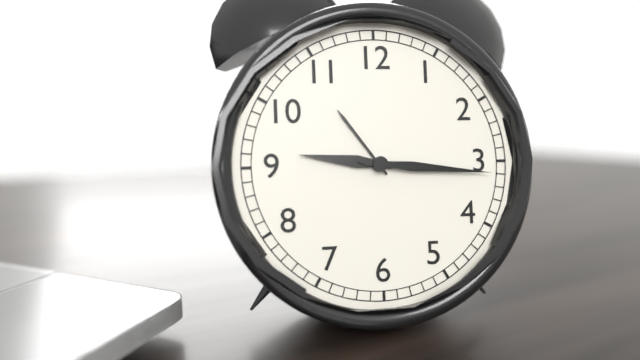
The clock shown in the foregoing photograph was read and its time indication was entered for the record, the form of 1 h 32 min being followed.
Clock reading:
9 h 16 min
